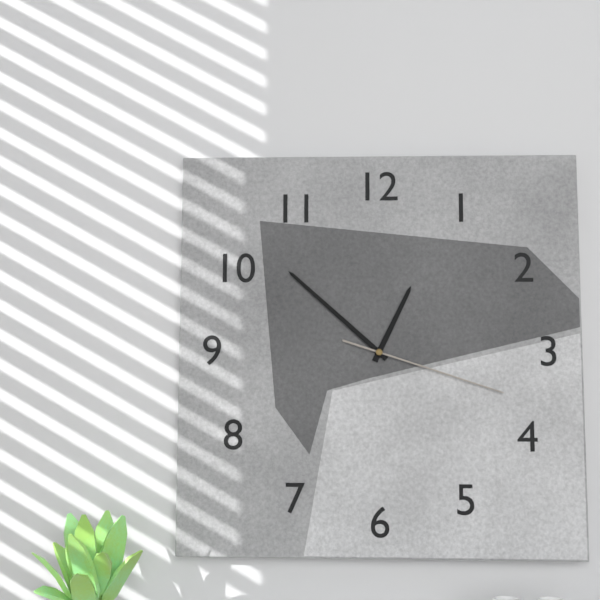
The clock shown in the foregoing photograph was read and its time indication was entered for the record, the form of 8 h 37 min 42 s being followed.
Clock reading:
12 h 52 min 18 s
